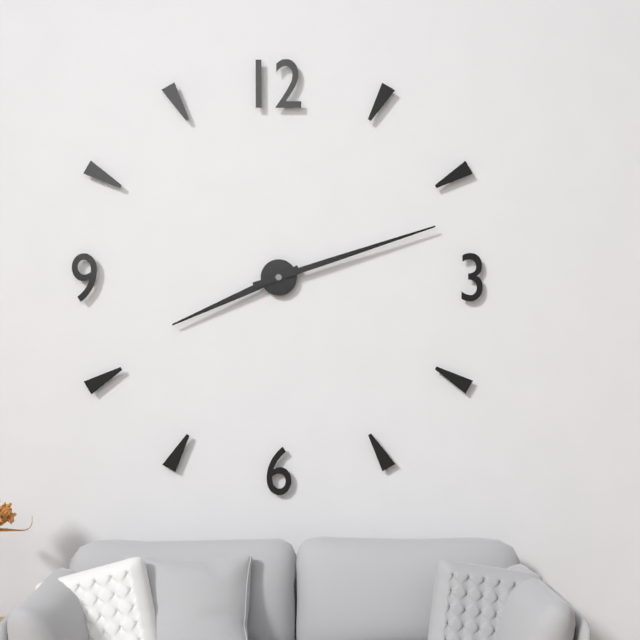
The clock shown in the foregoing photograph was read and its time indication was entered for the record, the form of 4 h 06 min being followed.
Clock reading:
8 h 12 min
